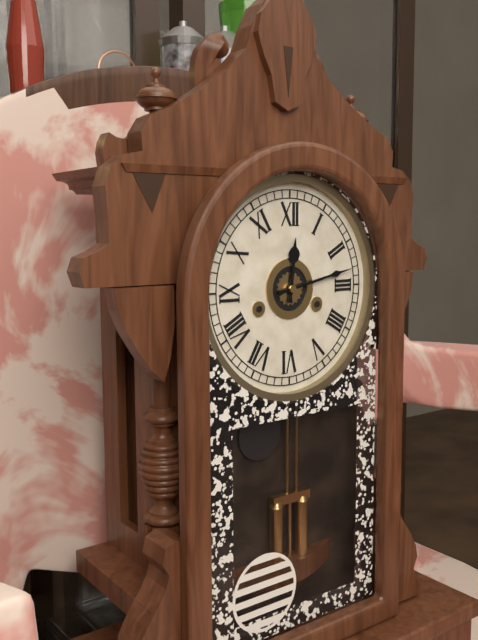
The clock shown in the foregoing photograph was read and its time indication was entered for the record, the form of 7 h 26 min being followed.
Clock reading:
12 h 13 min
